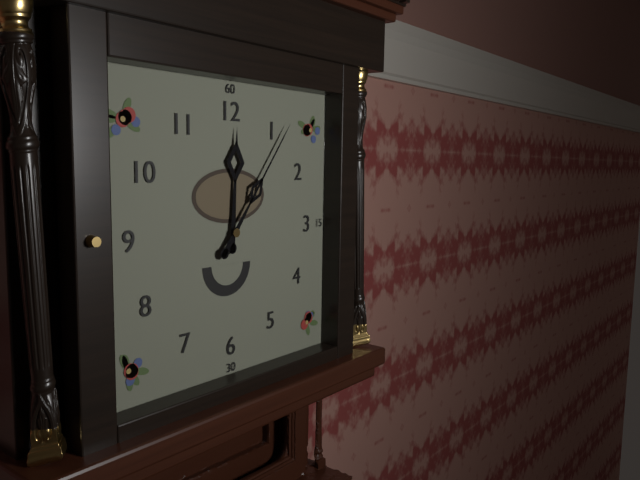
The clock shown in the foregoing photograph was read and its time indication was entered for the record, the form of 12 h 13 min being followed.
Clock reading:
12 h 06 min
